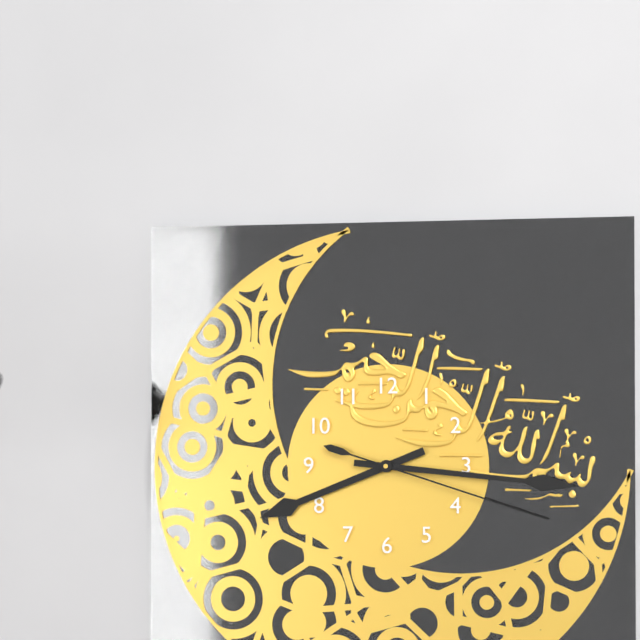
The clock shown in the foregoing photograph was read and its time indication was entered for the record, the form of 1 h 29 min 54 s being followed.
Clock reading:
8 h 16 min 18 s
